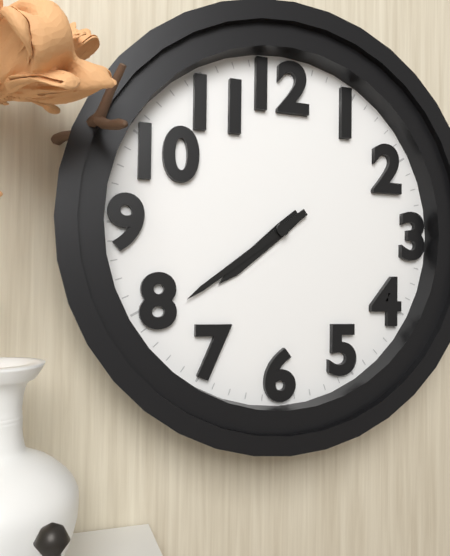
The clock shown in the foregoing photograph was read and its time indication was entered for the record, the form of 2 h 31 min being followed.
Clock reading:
7 h 39 min
